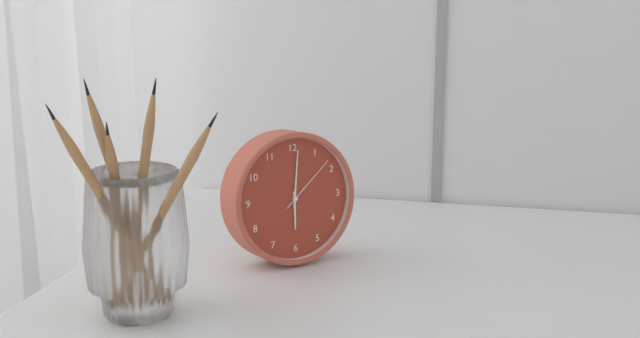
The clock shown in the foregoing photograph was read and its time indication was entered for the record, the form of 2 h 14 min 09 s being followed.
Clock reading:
6 h 01 min 08 s
